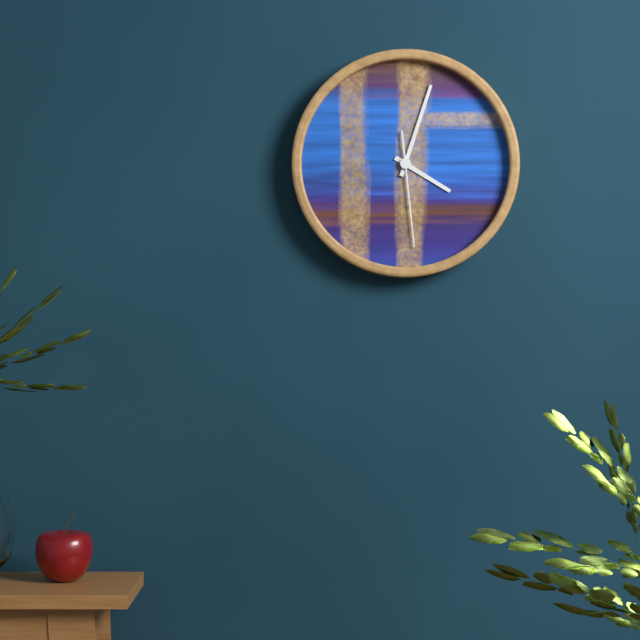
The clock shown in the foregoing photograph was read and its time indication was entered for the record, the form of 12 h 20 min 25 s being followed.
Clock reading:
4 h 03 min 29 s
